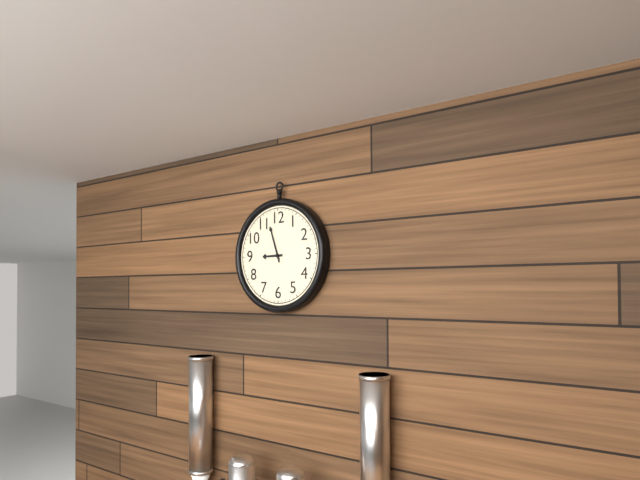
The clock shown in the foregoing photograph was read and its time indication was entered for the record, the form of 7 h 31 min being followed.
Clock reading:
8 h 57 min
